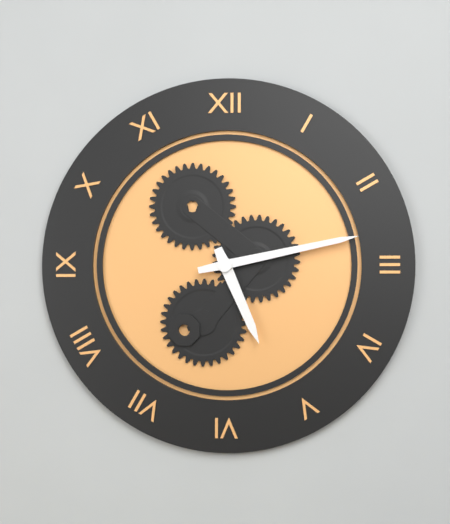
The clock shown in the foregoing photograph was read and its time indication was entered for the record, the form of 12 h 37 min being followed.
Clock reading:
5 h 13 min
